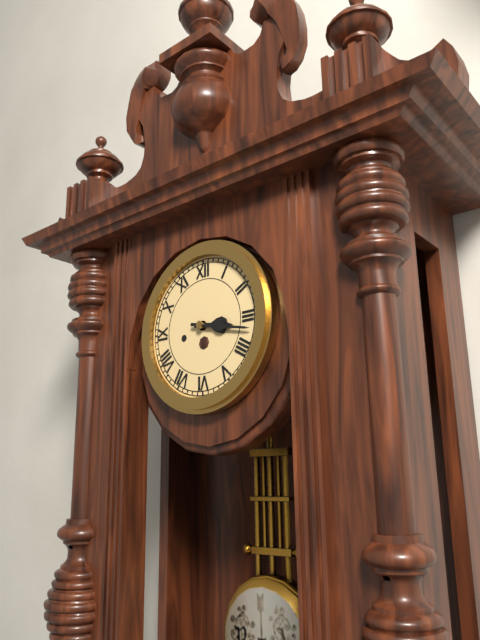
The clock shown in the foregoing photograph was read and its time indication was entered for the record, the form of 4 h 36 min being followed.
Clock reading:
3 h 17 min
